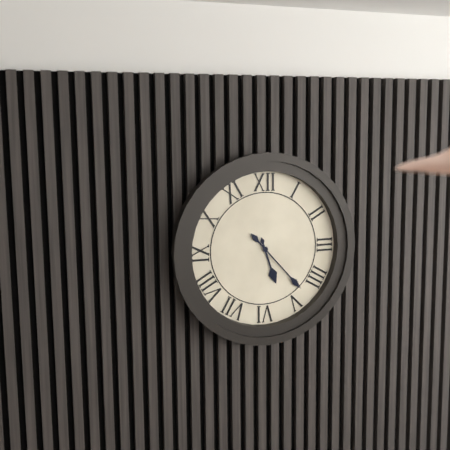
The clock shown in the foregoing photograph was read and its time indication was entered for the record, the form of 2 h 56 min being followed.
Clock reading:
5 h 23 min
